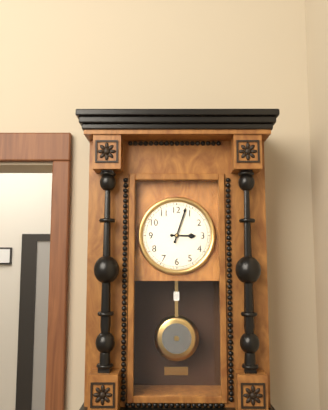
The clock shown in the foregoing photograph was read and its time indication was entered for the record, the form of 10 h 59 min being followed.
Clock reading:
3 h 03 min
